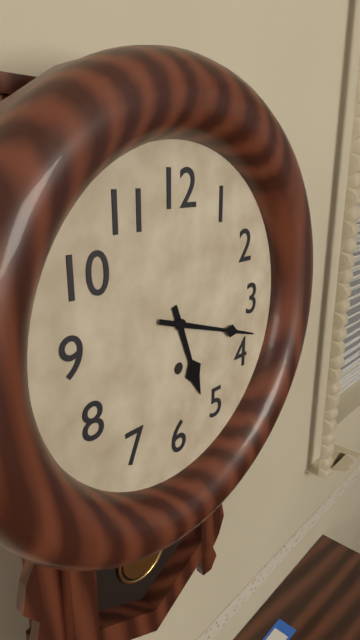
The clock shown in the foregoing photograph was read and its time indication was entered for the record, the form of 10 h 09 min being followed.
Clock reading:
5 h 18 min
